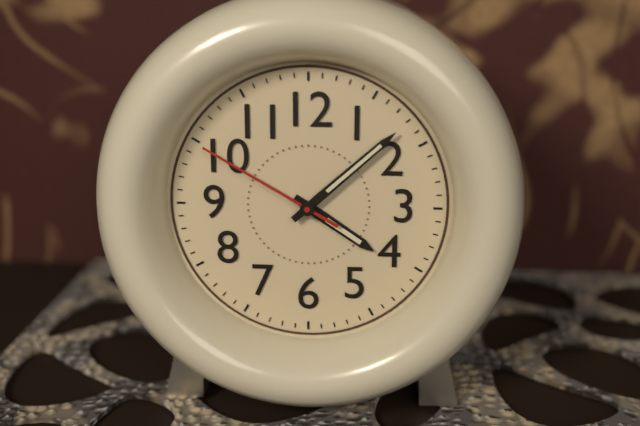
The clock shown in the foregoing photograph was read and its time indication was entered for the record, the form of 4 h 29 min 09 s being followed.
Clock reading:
4 h 08 min 50 s
